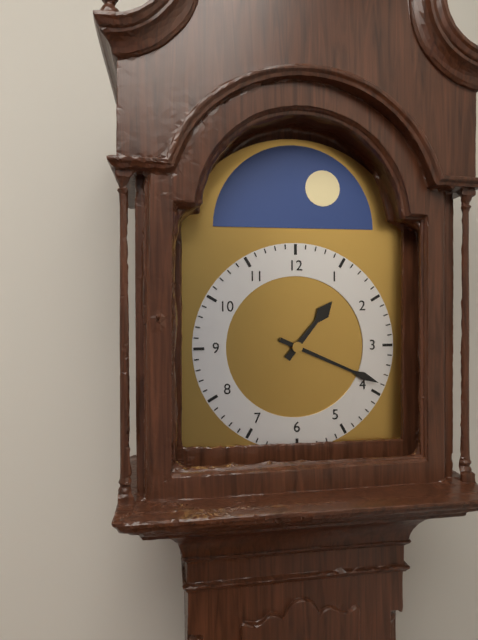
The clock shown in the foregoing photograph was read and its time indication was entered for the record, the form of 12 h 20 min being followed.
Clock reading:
1 h 19 min
